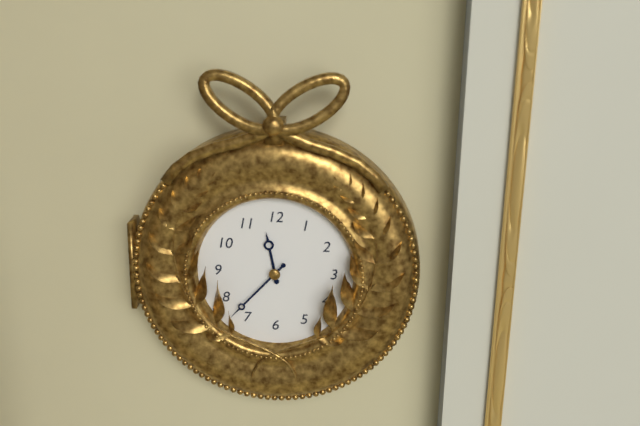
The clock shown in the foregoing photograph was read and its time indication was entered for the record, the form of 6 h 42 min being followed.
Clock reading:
11 h 37 min
